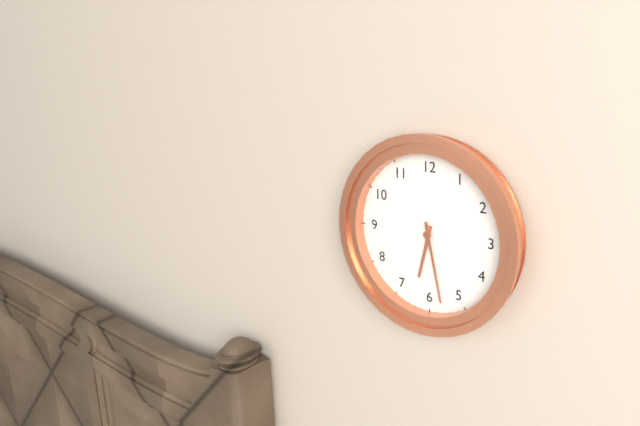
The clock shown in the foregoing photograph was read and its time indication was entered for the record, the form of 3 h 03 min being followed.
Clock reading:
6 h 28 min
